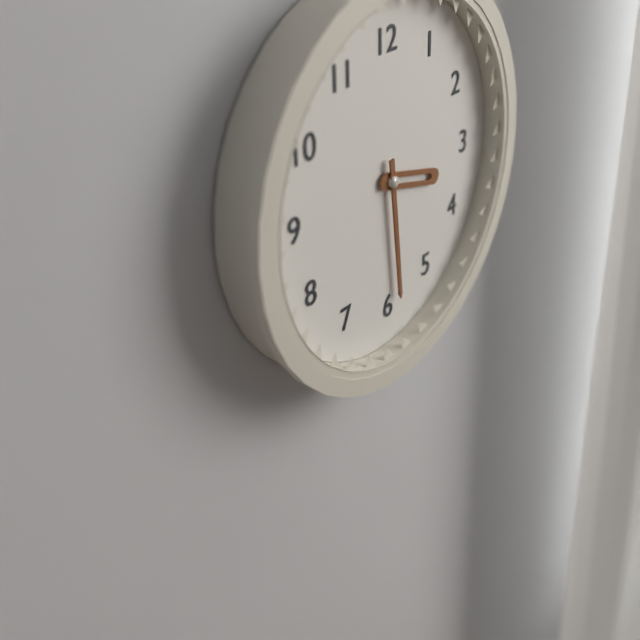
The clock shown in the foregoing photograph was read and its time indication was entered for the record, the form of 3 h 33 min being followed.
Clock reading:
3 h 29 min
